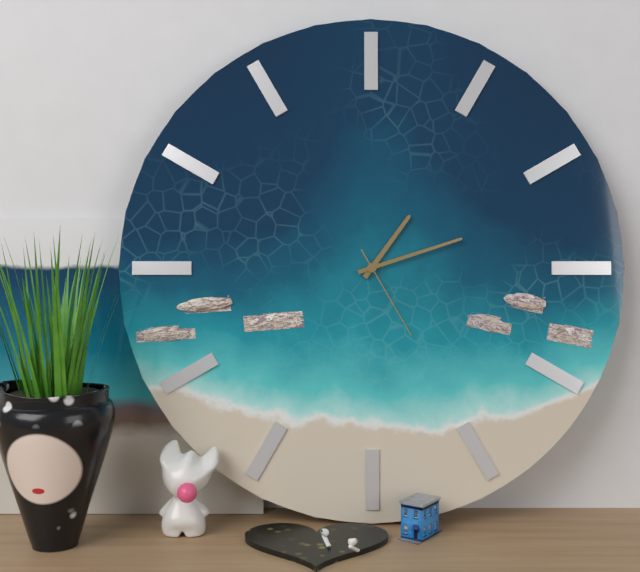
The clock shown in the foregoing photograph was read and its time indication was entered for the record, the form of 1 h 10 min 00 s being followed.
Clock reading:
1 h 12 min 25 s
